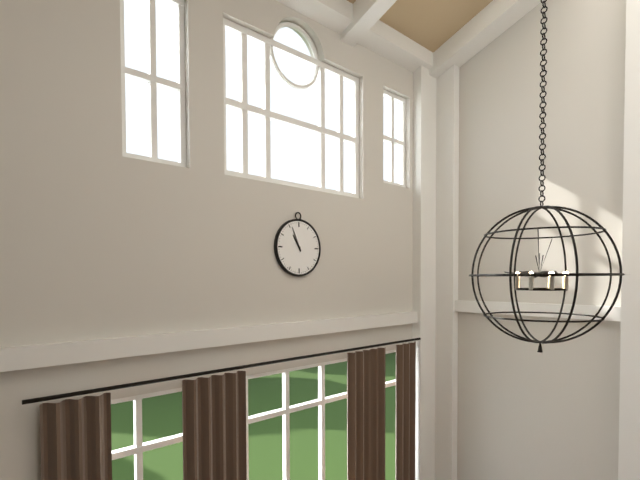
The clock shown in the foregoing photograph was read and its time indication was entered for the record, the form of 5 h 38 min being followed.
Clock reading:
10 h 56 min
